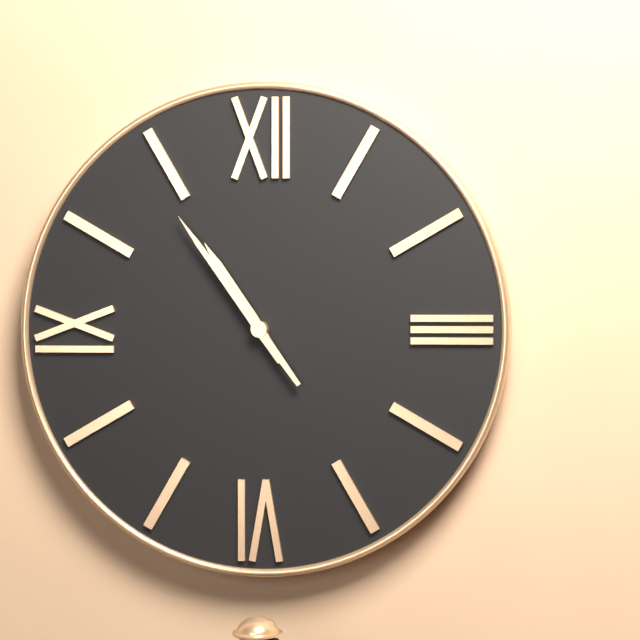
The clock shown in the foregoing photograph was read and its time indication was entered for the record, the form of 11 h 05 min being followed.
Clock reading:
10 h 54 min
